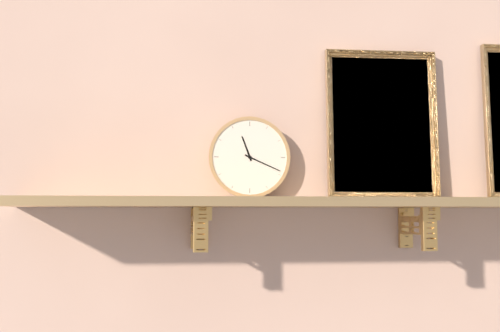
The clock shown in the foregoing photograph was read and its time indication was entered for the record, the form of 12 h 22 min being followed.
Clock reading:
11 h 19 min
